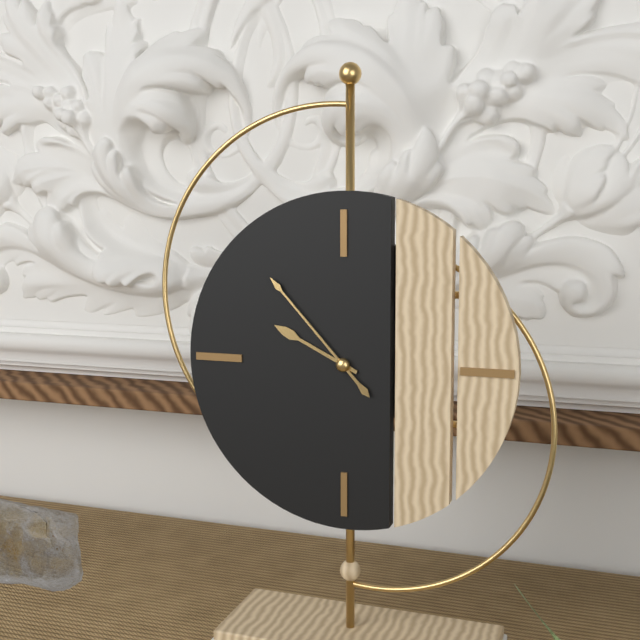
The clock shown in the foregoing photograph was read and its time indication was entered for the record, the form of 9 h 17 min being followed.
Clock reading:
9 h 53 min
